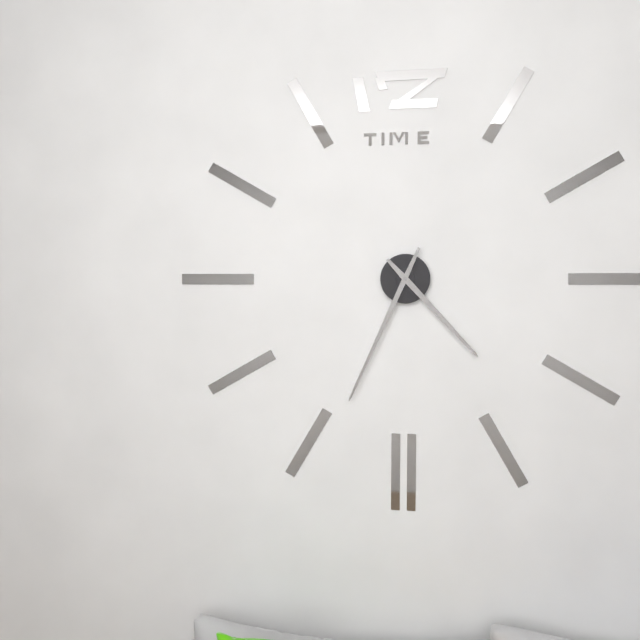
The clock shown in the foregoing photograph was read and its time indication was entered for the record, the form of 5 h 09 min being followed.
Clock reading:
4 h 34 min
